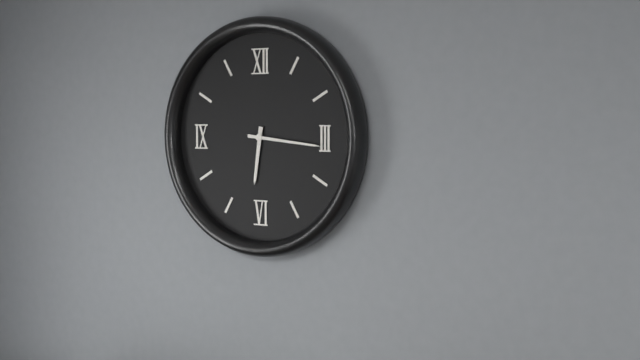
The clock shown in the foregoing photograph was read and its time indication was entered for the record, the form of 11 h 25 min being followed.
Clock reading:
6 h 16 min
